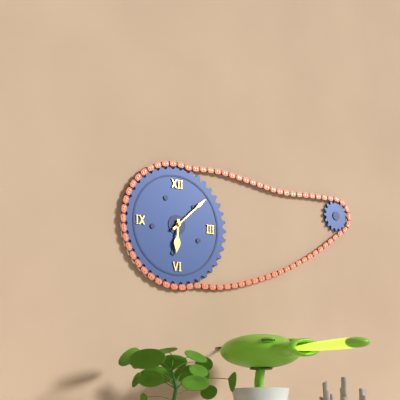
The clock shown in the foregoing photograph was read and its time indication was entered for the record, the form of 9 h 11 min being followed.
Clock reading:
6 h 08 min
